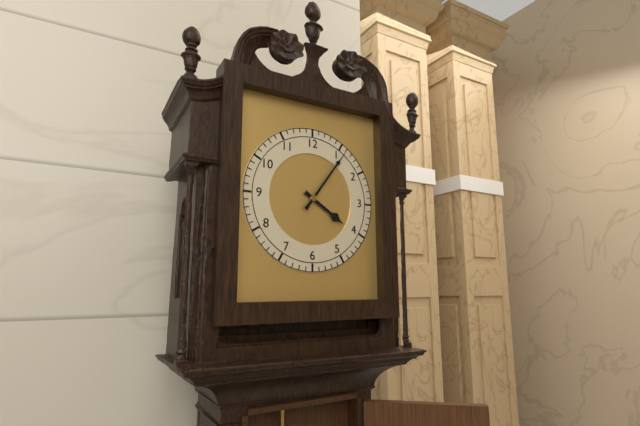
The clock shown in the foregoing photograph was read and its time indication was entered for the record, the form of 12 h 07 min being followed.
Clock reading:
4 h 06 min
